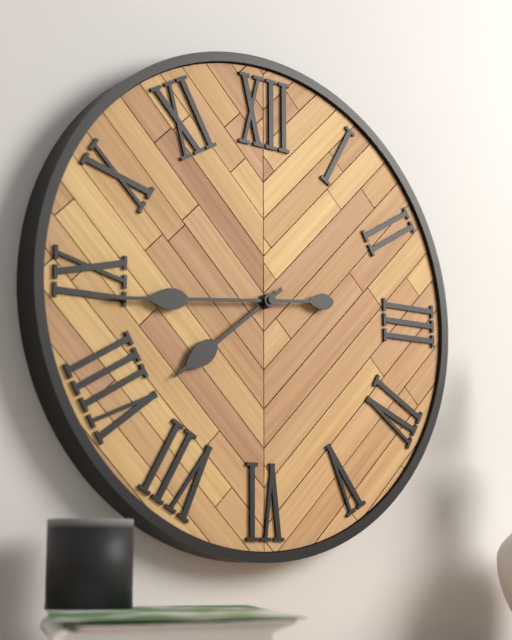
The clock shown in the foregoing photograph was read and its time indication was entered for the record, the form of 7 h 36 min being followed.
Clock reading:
7 h 44 min
